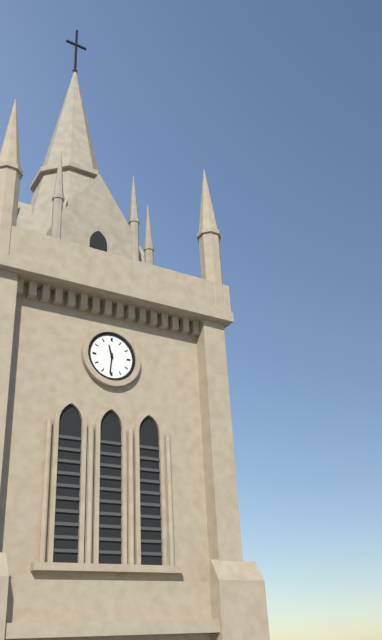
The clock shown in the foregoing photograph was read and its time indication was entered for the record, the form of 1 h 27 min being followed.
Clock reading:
11 h 31 min
